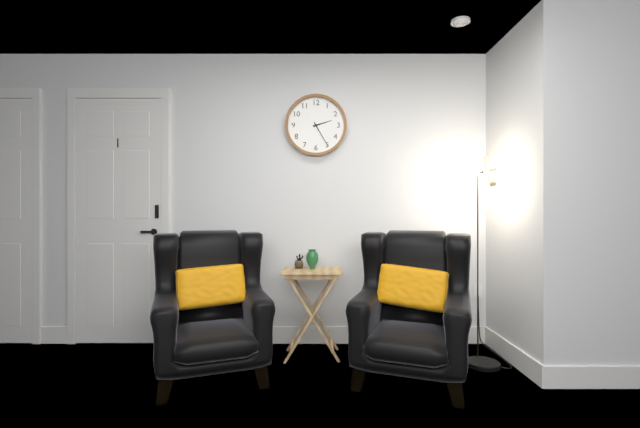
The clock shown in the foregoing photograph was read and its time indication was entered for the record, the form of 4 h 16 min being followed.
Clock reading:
2 h 25 min
